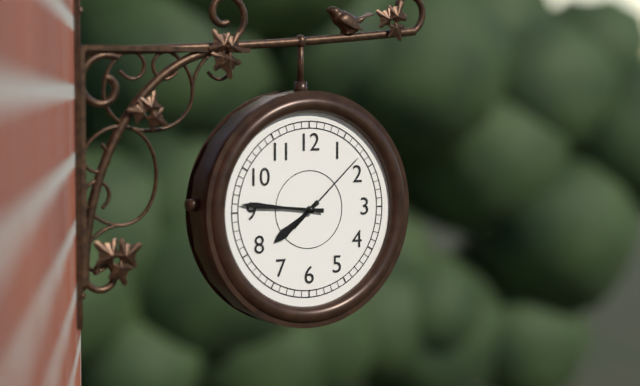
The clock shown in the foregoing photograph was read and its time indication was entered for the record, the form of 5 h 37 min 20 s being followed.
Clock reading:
7 h 46 min 08 s
